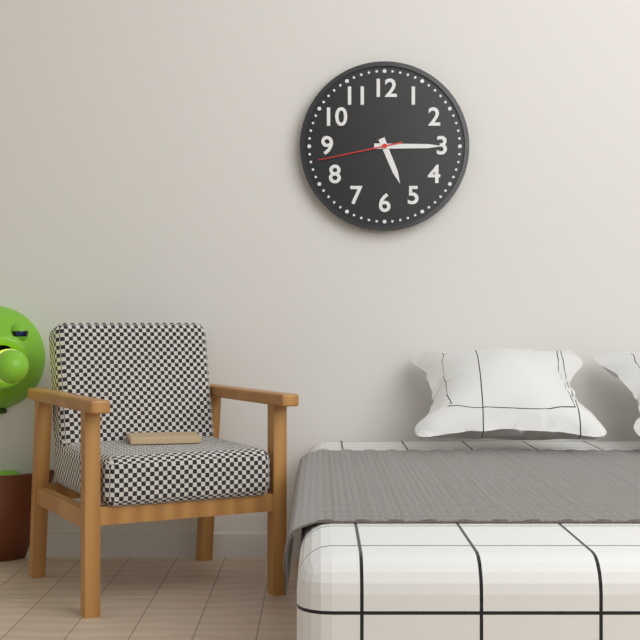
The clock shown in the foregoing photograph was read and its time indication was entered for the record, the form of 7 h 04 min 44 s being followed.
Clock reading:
5 h 15 min 43 s
